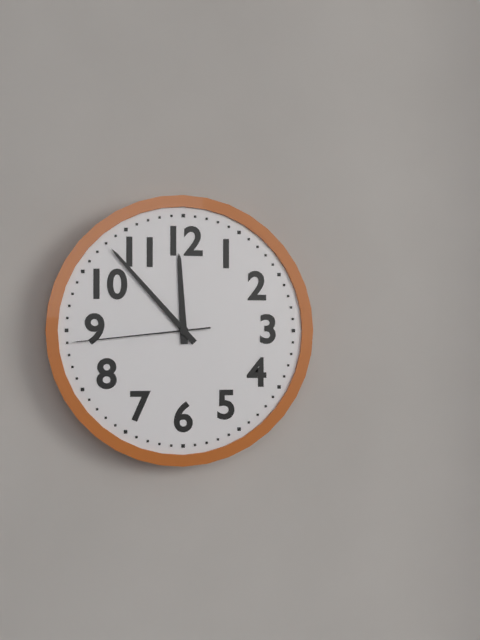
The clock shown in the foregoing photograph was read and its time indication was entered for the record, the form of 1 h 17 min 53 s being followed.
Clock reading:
11 h 53 min 44 s
